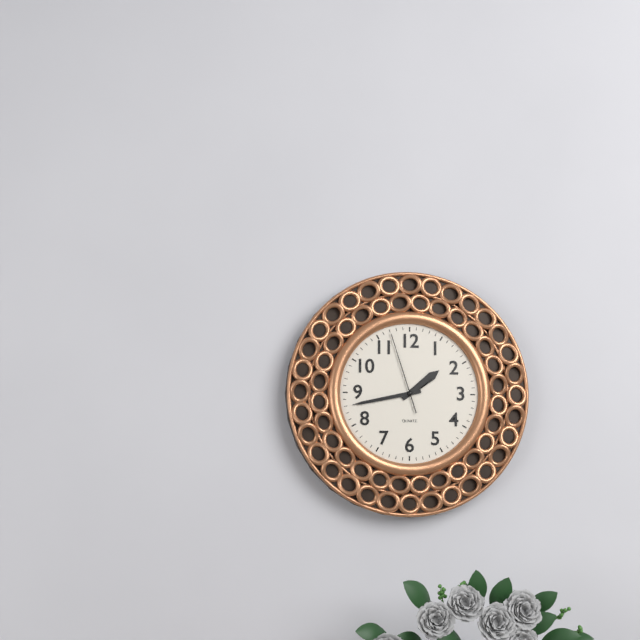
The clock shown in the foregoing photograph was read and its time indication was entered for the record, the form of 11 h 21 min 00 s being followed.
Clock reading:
1 h 43 min 57 s
